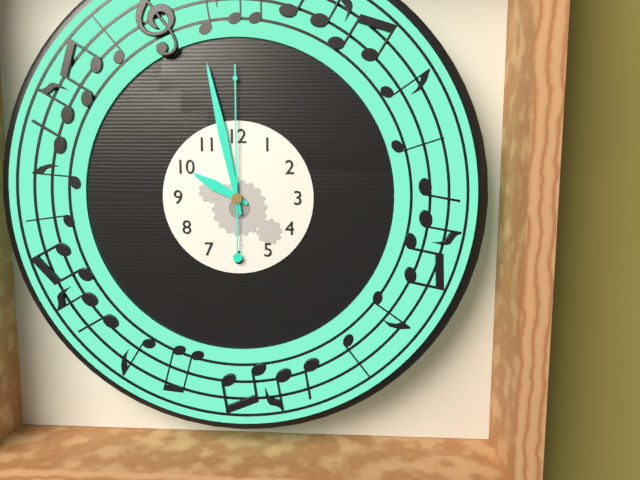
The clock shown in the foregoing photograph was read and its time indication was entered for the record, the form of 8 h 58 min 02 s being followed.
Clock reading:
9 h 58 min 00 s
